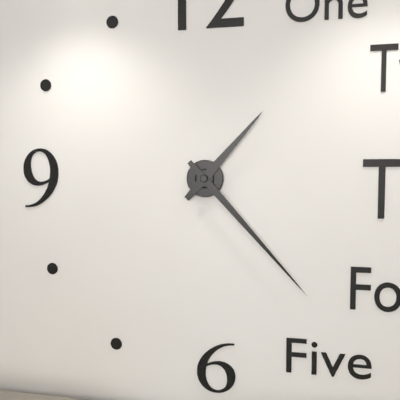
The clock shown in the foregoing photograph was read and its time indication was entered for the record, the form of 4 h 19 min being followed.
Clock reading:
1 h 23 min
